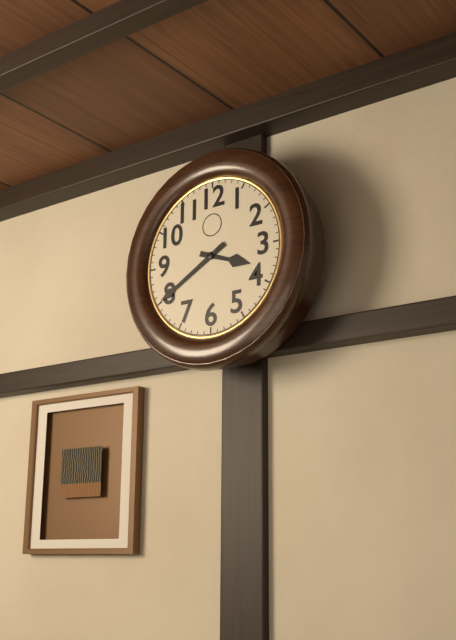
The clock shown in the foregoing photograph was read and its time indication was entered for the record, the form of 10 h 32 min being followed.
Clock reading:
3 h 40 min
